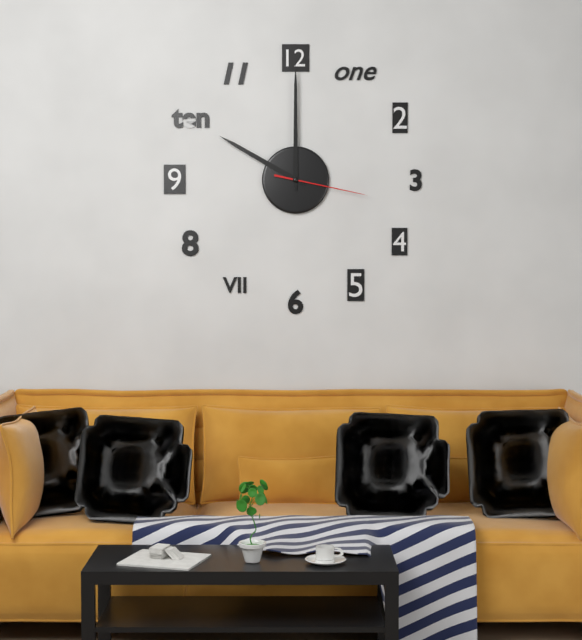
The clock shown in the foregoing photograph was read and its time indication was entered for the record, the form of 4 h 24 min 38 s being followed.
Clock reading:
10 h 00 min 17 s
